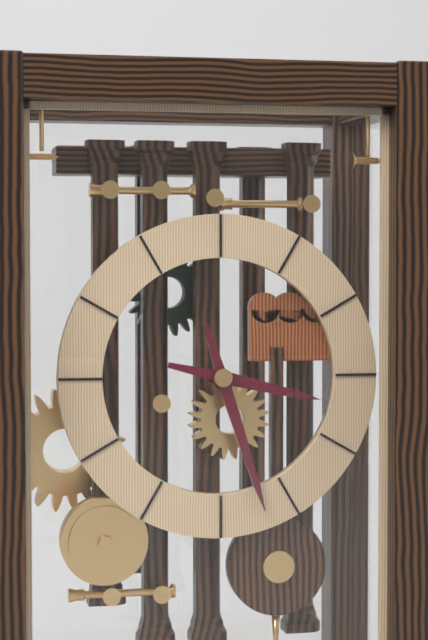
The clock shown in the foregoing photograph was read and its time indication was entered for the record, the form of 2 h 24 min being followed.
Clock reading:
3 h 27 min
